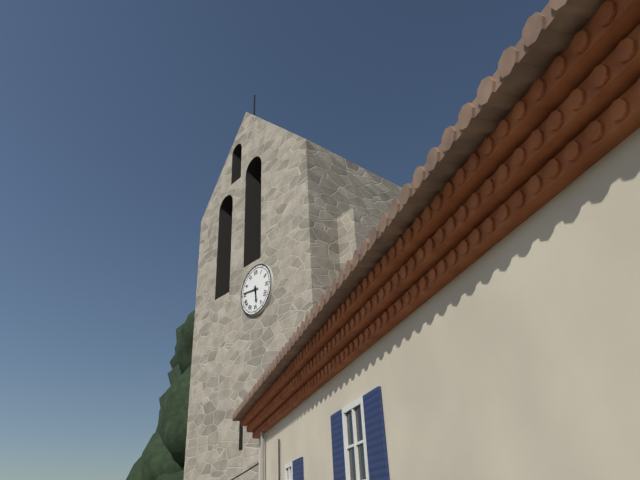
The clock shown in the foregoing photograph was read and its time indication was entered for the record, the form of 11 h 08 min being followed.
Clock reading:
5 h 46 min
